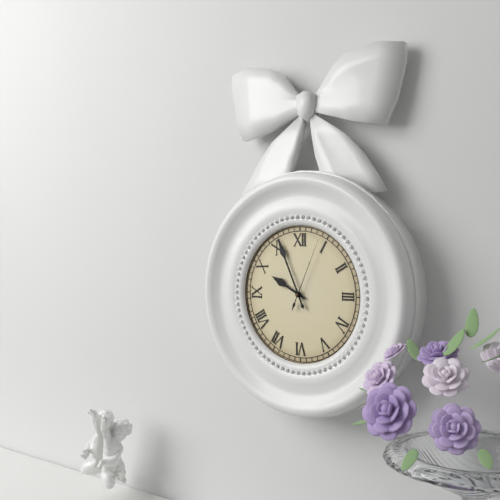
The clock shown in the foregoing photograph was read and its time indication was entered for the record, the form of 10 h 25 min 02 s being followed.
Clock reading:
9 h 56 min 04 s
